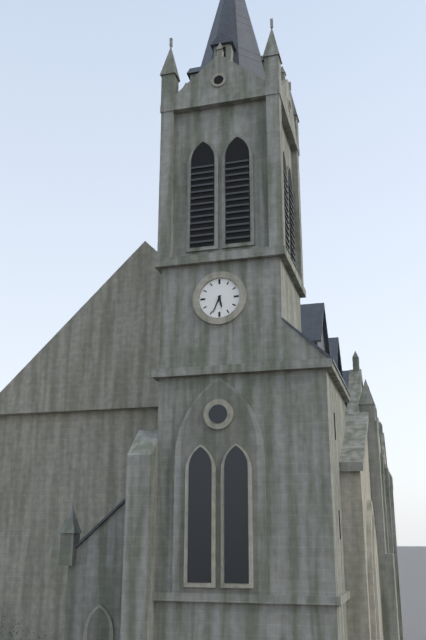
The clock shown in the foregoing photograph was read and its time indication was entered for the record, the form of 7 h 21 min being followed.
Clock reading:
5 h 34 min
